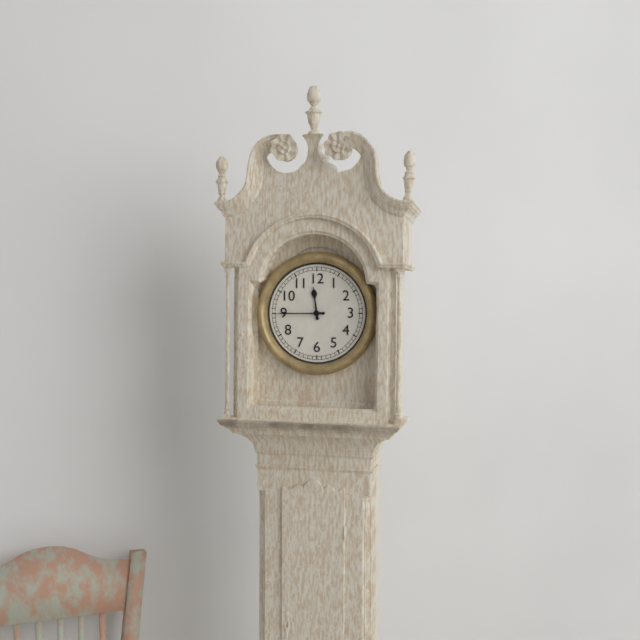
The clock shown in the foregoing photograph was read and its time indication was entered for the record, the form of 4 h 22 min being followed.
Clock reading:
11 h 45 min
